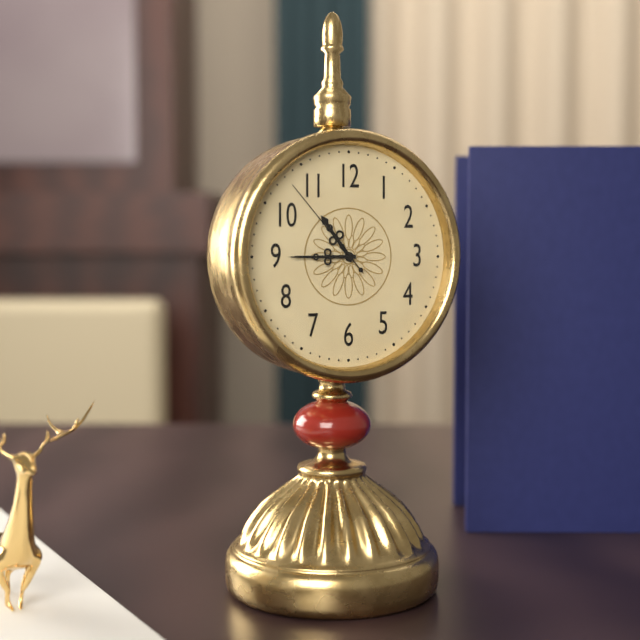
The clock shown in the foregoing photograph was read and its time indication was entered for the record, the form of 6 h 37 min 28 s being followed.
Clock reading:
10 h 45 min 53 s
